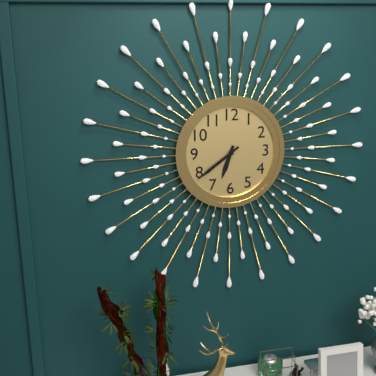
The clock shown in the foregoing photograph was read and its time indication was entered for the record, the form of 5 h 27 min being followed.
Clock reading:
6 h 39 min
